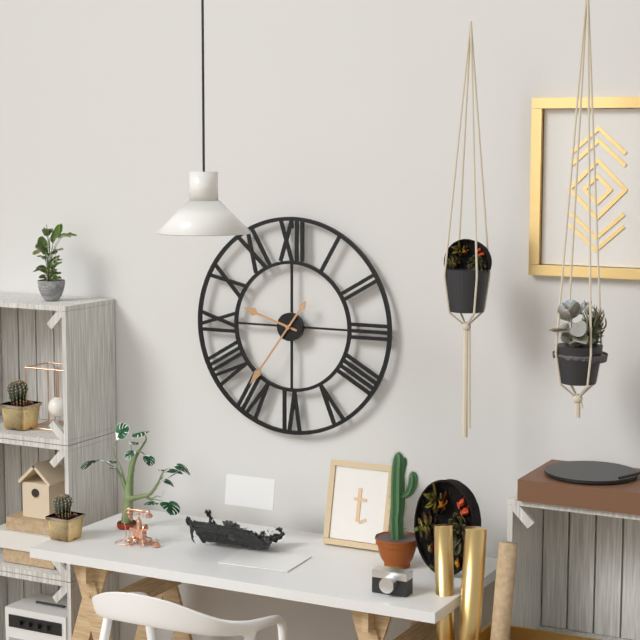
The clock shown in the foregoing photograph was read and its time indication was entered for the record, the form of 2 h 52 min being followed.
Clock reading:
9 h 36 min
